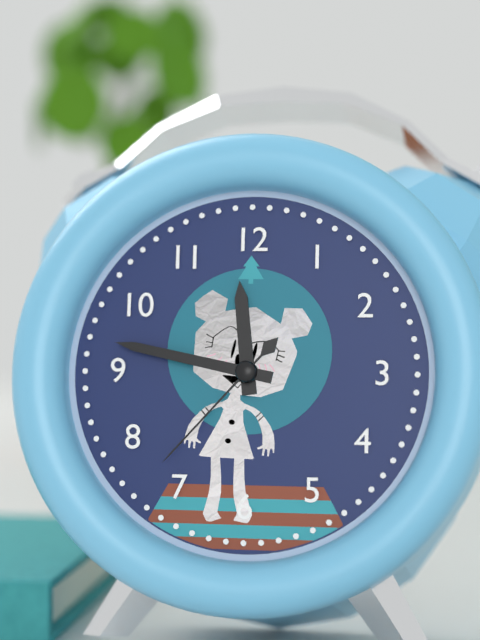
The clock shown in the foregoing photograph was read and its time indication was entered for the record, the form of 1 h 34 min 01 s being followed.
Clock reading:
11 h 47 min 37 s
